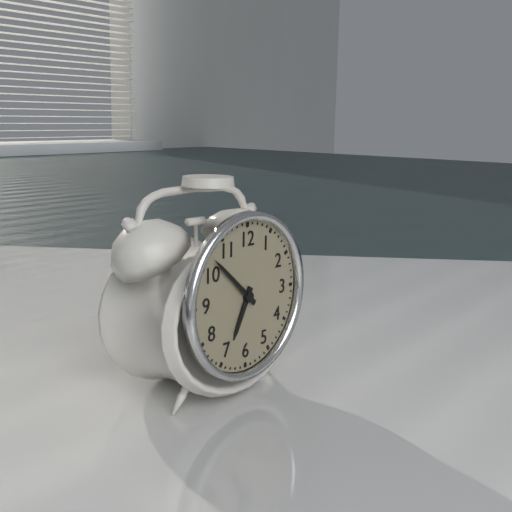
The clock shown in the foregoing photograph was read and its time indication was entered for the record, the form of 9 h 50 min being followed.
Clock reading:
6 h 52 min
